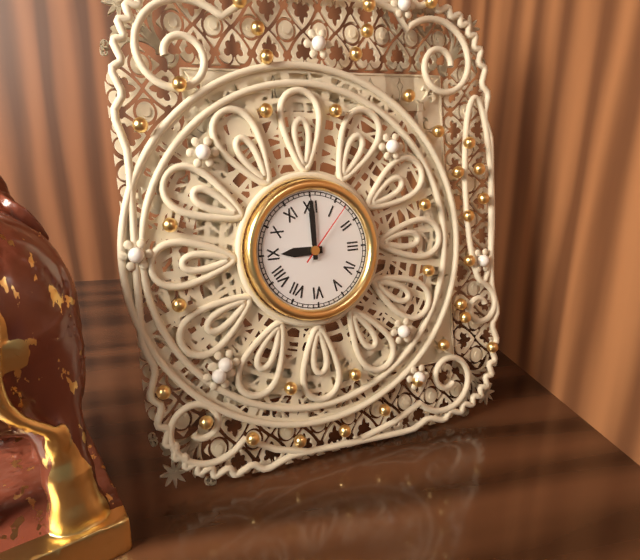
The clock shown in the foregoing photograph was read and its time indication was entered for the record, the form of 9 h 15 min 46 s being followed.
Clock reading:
9 h 00 min 07 s
